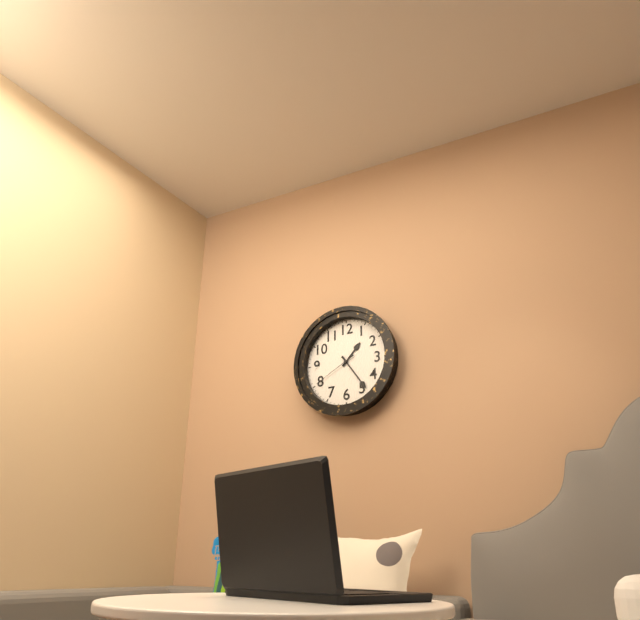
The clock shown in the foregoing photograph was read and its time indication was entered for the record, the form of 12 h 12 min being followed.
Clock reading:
1 h 24 min
